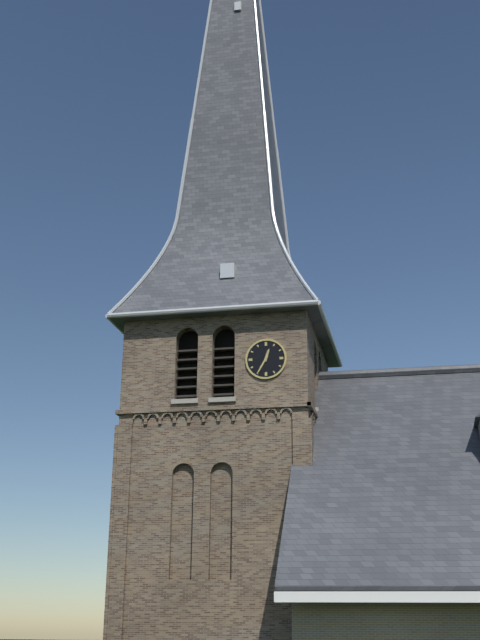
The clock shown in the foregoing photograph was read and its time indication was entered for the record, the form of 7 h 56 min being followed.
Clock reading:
12 h 35 min
